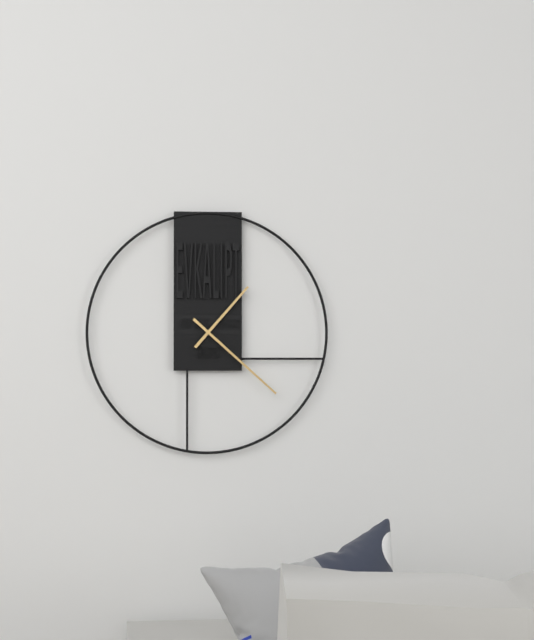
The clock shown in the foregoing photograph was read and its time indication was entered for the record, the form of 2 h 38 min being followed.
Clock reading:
1 h 22 min
